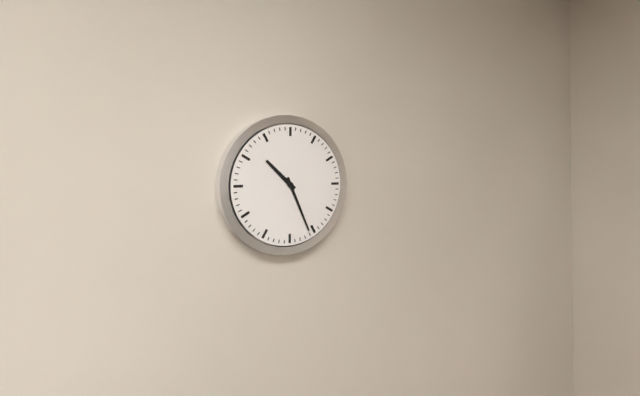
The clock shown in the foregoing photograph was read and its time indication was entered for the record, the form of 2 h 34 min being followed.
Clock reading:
10 h 26 min
